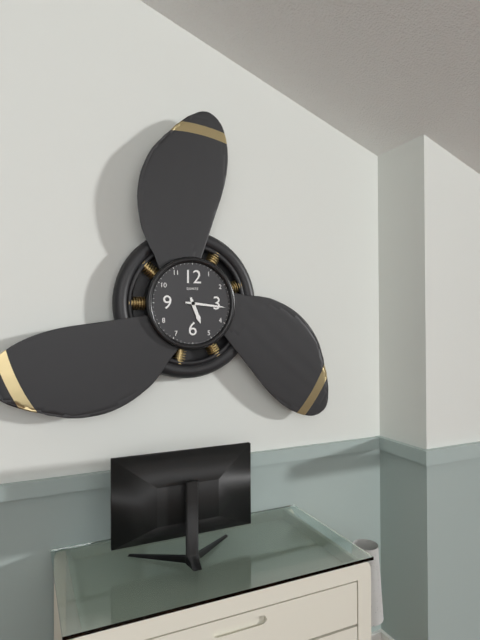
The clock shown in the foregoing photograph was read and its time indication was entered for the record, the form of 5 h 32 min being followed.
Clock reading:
5 h 16 min
